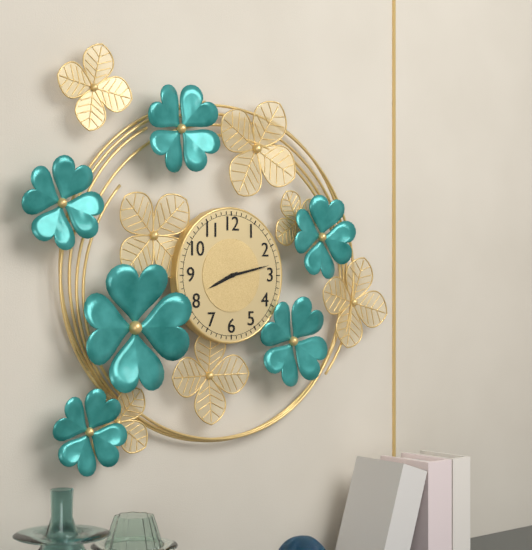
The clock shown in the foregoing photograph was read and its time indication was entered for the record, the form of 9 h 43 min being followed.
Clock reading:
8 h 13 min
